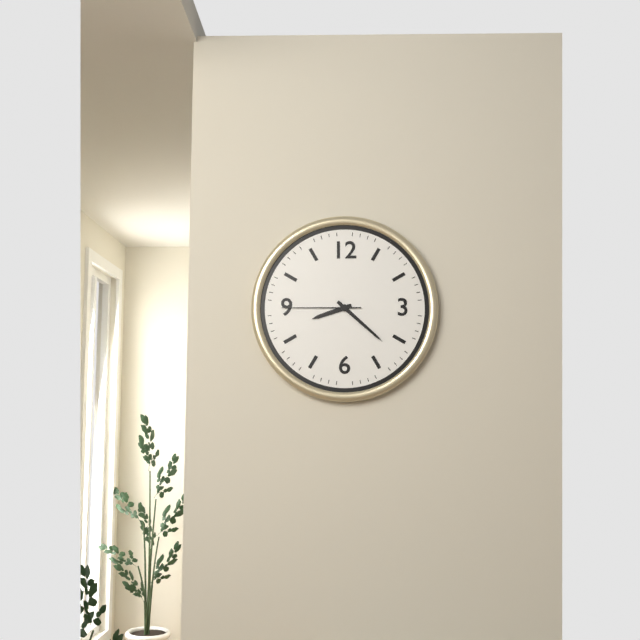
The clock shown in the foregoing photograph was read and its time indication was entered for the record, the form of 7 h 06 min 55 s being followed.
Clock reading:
8 h 22 min 45 s
